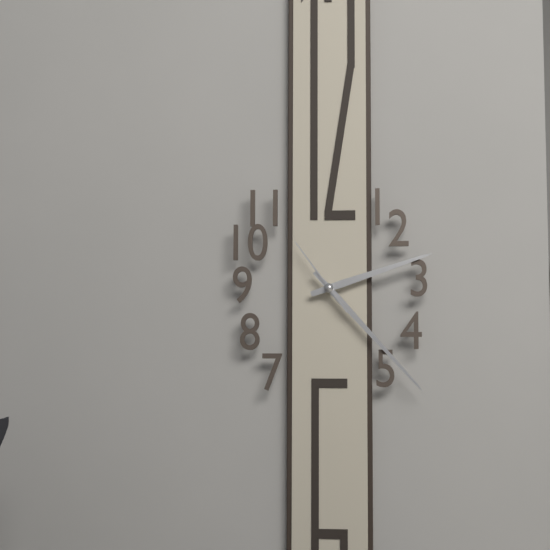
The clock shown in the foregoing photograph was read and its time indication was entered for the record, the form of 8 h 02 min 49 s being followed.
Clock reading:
2 h 23 min 54 s
